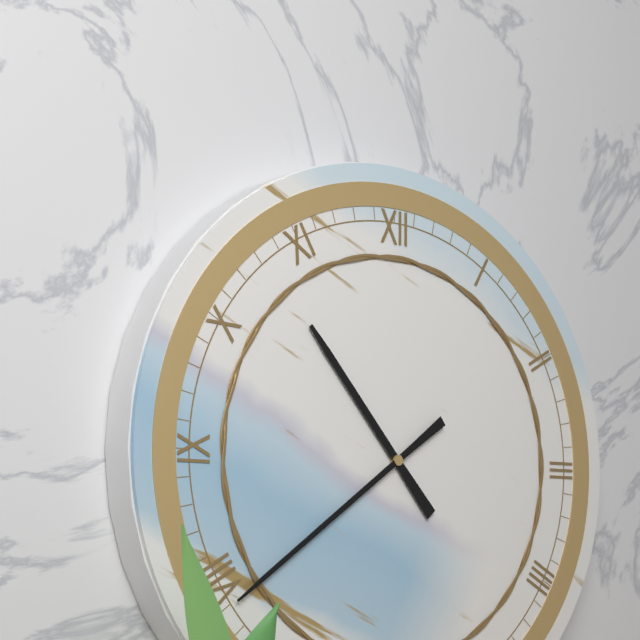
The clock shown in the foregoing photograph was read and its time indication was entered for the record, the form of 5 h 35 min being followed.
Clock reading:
10 h 39 min
